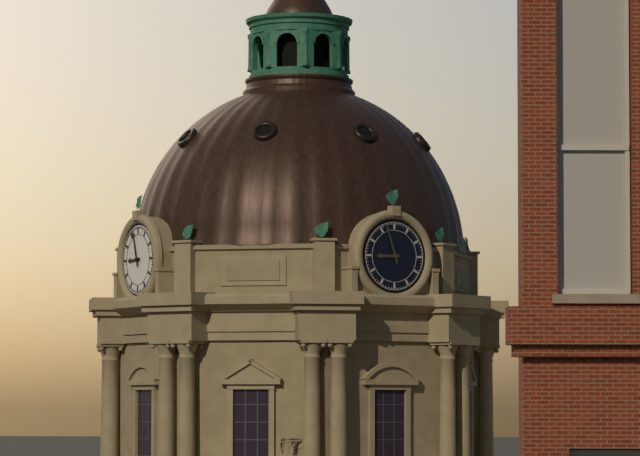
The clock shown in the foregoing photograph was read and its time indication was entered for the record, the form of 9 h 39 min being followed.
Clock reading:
8 h 57 min
